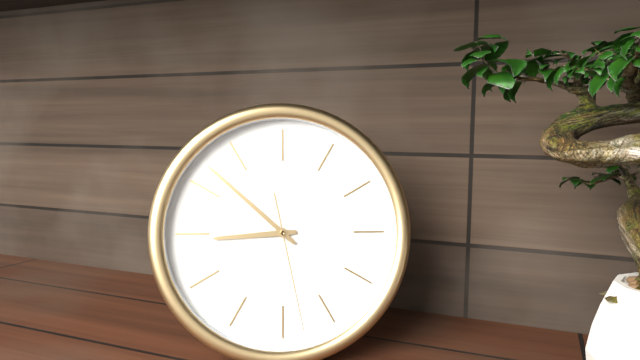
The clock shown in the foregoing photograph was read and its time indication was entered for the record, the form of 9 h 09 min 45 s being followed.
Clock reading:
8 h 52 min 28 s
